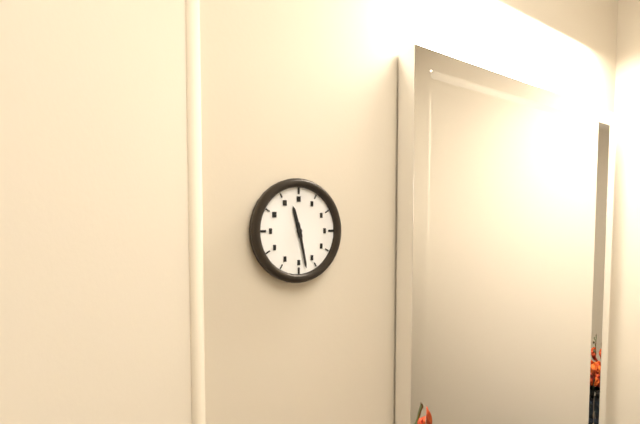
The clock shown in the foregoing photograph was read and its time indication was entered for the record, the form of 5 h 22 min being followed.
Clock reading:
11 h 28 min
